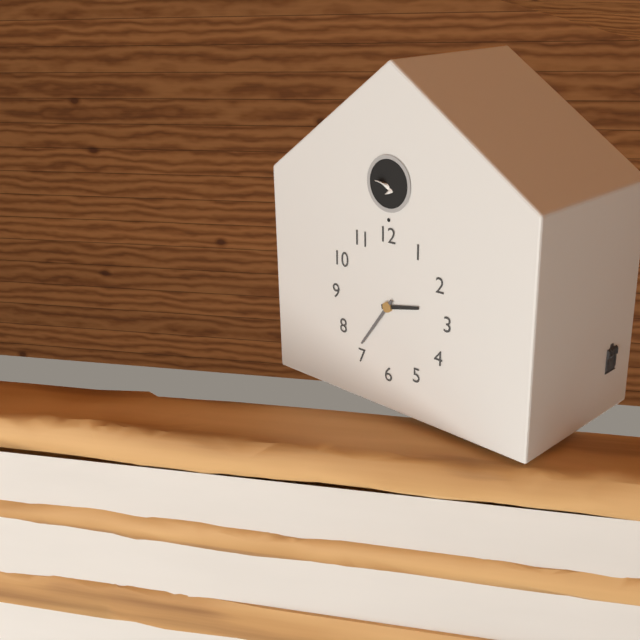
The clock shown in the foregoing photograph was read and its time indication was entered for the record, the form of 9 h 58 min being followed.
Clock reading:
2 h 36 min
